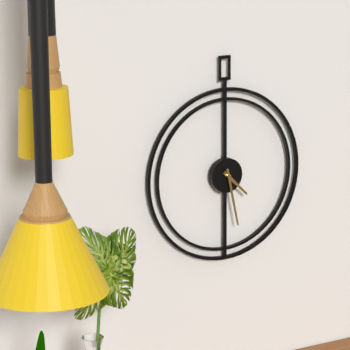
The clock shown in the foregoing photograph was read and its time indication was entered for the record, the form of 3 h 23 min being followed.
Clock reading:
4 h 28 min
